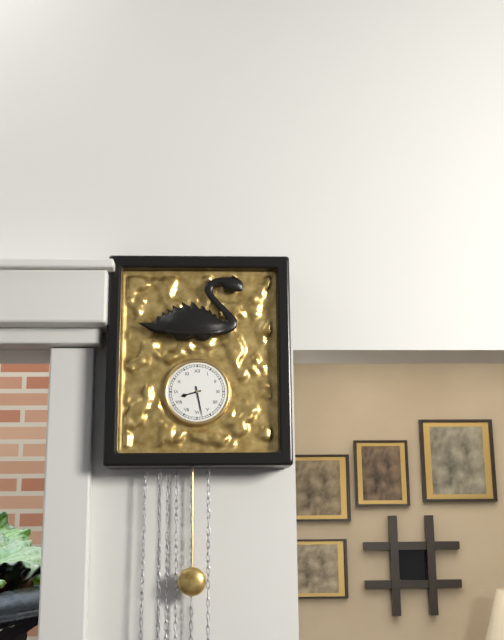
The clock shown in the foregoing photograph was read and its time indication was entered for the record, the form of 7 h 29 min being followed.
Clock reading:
8 h 28 min
